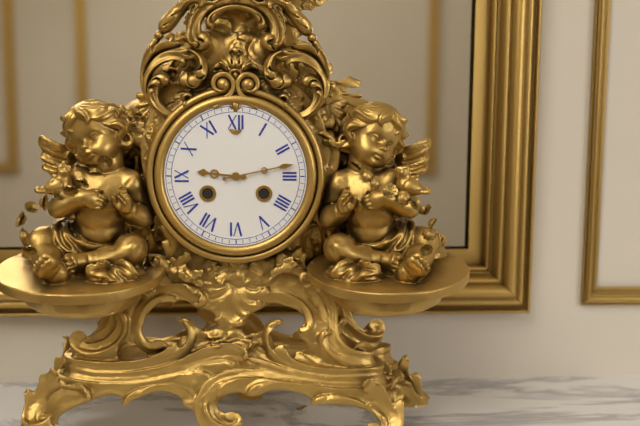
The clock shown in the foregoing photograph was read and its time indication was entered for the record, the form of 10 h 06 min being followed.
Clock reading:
9 h 13 min
